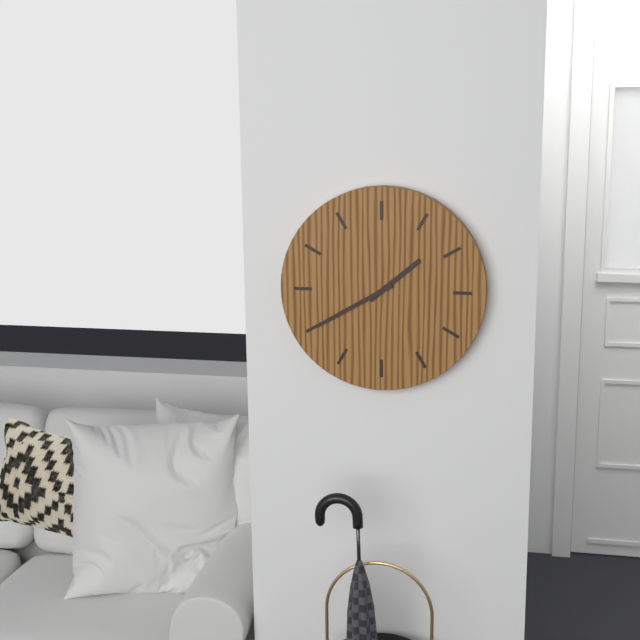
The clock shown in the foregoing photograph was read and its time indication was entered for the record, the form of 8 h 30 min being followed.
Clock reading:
1 h 40 min
